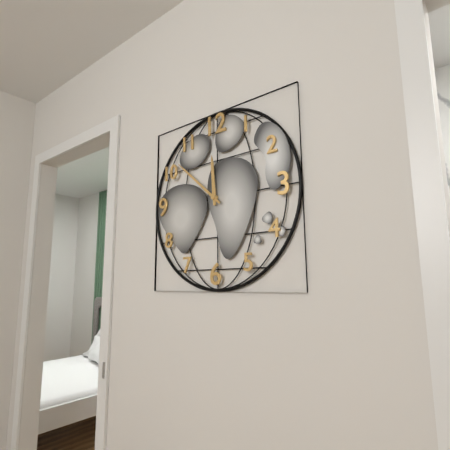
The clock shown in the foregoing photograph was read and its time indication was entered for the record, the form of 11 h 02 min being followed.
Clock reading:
11 h 52 min
